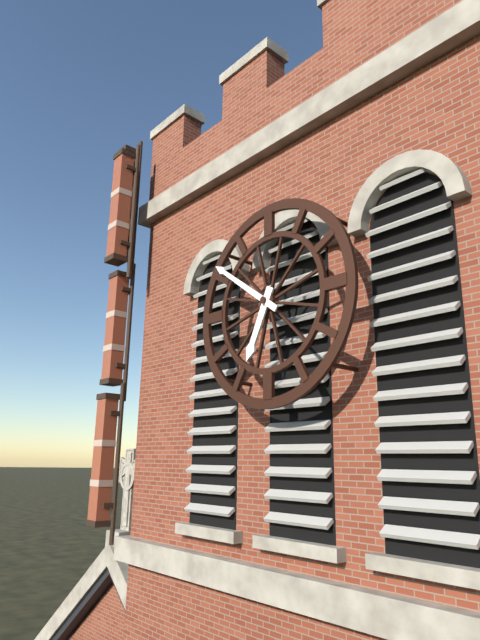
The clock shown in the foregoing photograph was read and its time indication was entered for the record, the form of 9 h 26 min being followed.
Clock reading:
6 h 51 min
